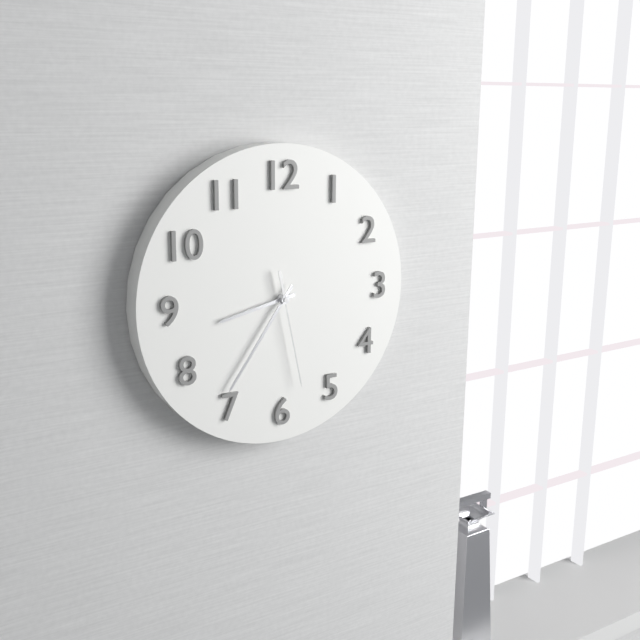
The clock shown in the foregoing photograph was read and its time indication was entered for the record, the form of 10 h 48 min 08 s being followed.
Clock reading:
8 h 36 min 28 s
